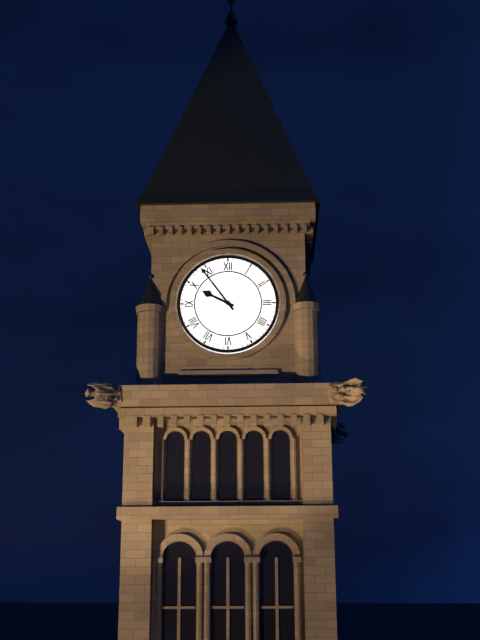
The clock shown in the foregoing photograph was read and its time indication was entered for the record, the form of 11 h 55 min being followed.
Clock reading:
9 h 54 min
